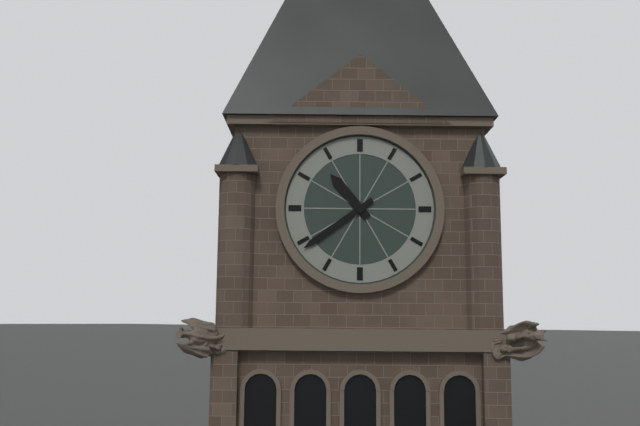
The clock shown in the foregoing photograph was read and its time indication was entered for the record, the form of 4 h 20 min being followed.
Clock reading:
10 h 39 min
